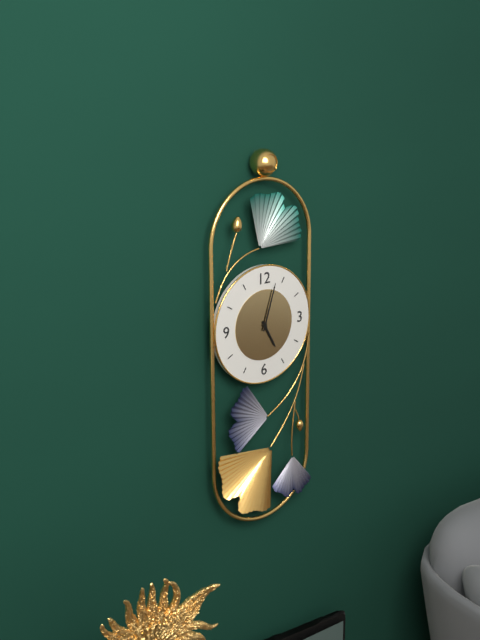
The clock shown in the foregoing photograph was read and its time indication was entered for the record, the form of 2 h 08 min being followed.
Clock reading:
5 h 03 min
